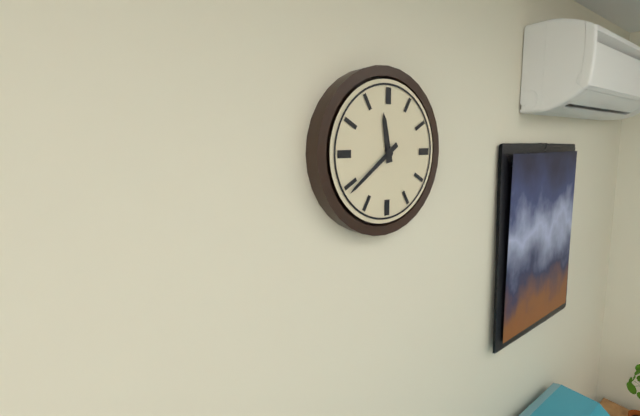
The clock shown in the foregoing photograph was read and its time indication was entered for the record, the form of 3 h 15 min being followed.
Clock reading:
11 h 39 min
